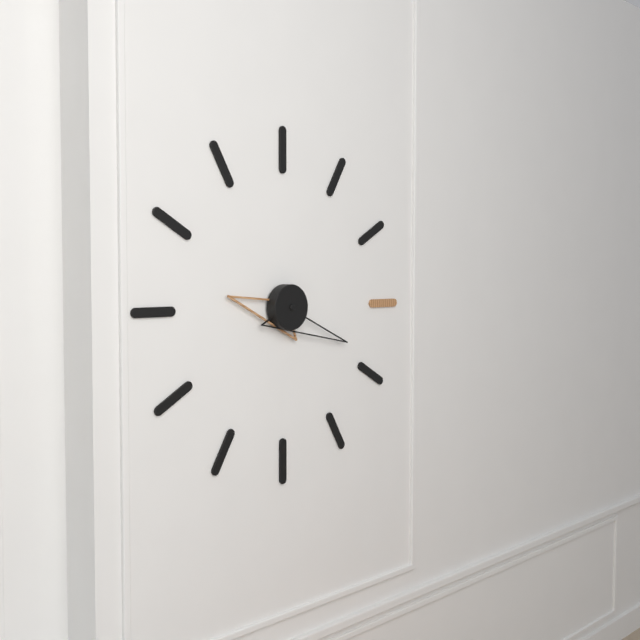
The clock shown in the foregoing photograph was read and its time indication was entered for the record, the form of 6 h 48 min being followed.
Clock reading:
9 h 19 min
